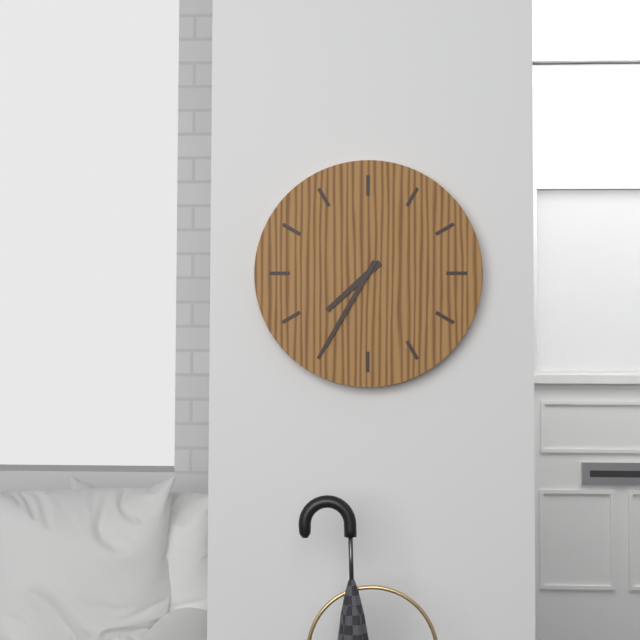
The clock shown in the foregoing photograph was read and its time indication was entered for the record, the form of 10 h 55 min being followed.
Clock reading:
7 h 35 min
